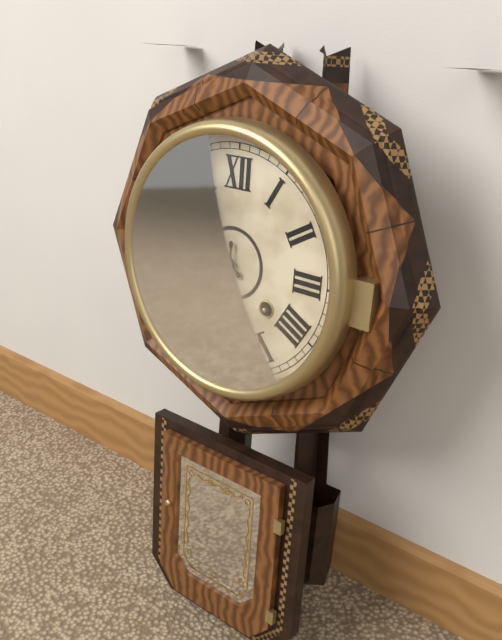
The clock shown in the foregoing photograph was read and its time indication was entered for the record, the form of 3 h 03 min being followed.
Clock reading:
10 h 30 min
